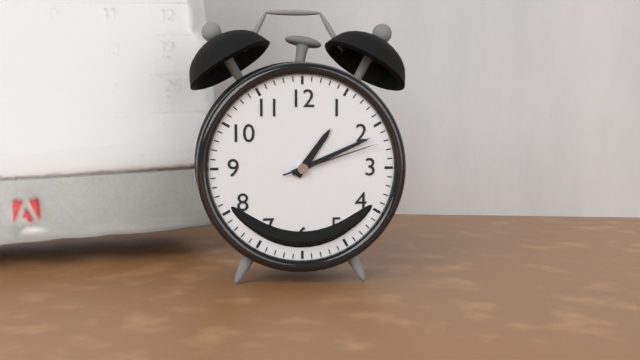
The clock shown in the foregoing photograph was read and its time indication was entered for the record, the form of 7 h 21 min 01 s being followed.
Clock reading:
1 h 11 min 12 s
